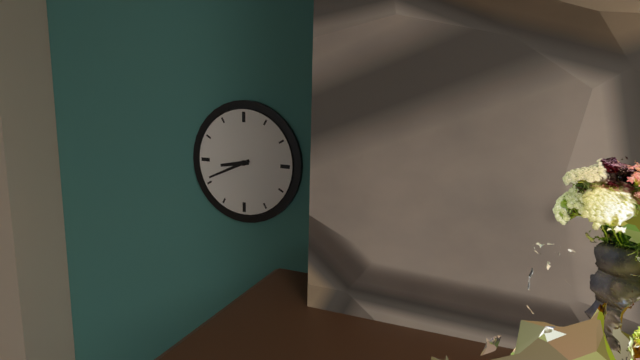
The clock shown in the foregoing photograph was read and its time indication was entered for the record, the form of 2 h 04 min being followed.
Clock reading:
8 h 41 min
